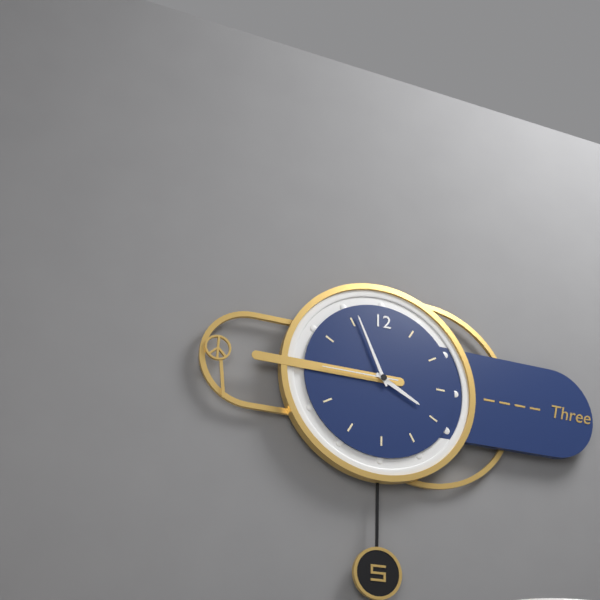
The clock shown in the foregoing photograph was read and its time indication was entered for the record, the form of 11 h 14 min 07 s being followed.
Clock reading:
3 h 56 min 45 s
